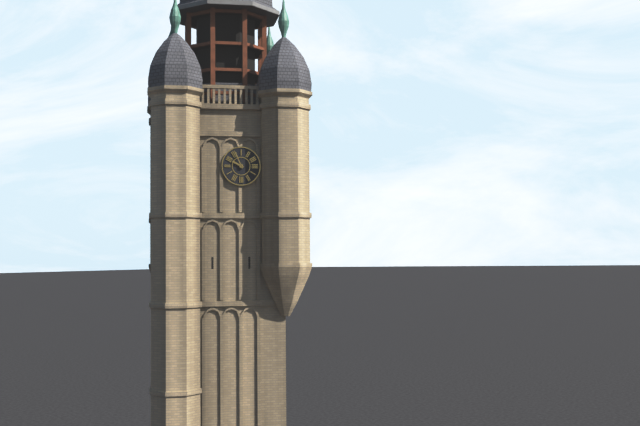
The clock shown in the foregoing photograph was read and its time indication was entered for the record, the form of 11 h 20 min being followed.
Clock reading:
9 h 56 min
